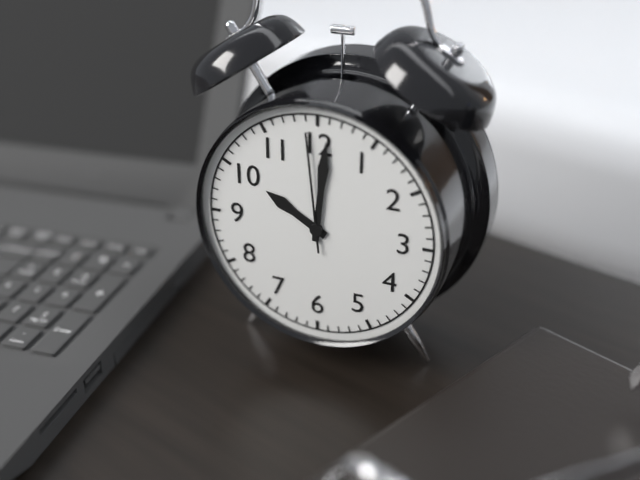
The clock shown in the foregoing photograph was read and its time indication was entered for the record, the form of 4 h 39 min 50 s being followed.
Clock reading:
10 h 01 min 59 s
